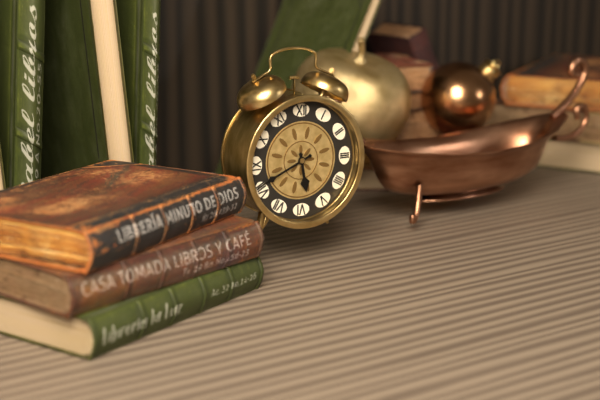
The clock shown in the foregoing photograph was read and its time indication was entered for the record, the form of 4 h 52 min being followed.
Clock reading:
5 h 41 min
